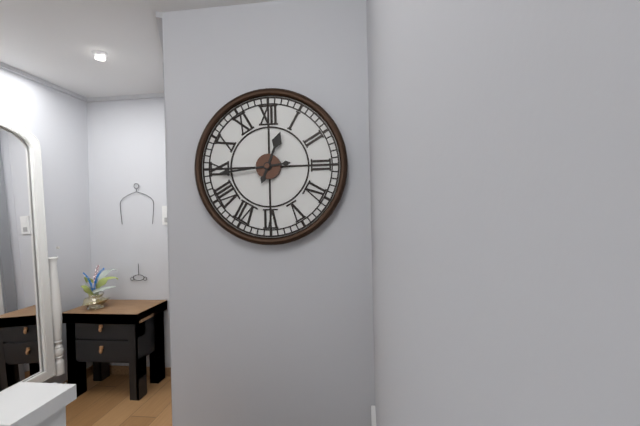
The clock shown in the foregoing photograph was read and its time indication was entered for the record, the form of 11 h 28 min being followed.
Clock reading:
12 h 44 min
